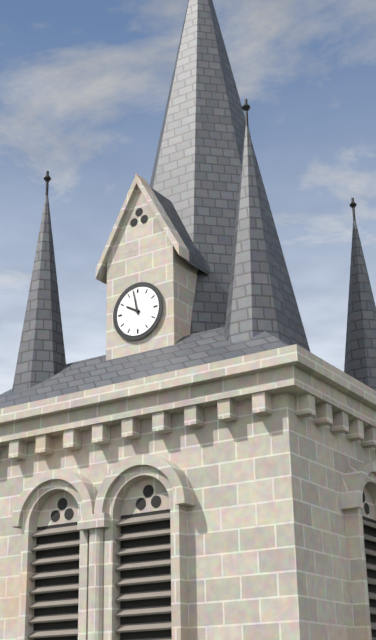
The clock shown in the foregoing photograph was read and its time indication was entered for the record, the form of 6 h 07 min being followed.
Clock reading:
9 h 58 min
